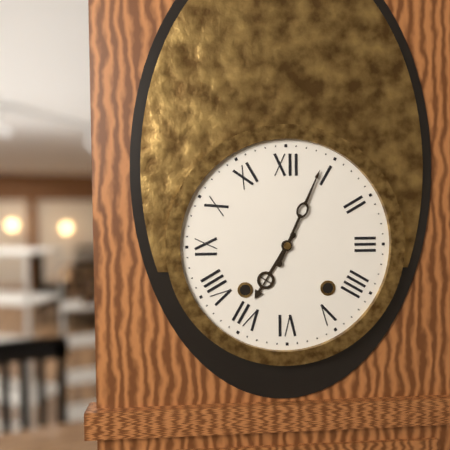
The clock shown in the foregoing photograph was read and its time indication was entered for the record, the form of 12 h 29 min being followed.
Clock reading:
7 h 04 min
